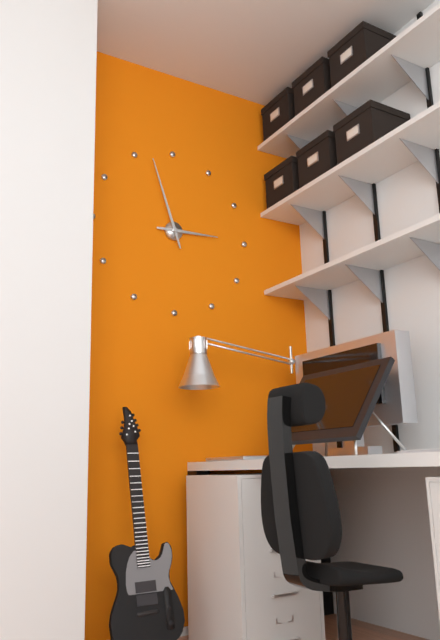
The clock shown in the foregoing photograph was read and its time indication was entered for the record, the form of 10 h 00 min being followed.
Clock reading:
2 h 57 min
